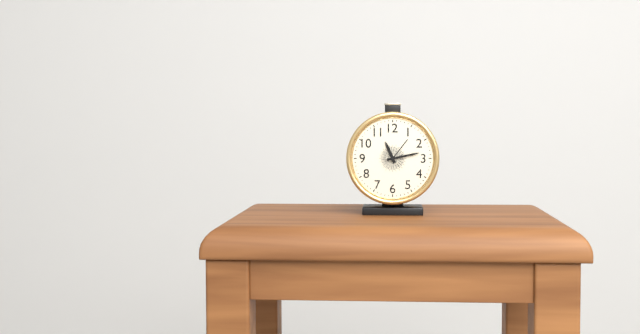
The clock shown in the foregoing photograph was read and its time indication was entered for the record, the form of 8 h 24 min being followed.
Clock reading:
11 h 13 min
